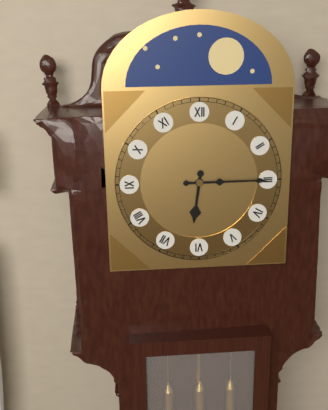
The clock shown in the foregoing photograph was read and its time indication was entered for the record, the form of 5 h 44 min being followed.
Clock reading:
6 h 15 min
